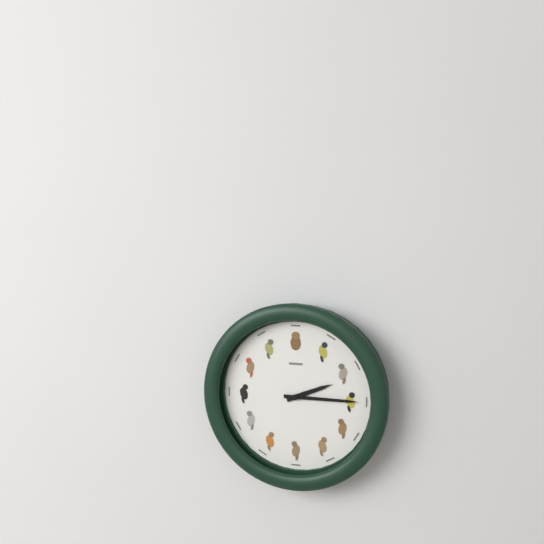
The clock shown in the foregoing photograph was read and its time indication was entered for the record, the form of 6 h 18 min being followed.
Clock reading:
2 h 15 min
